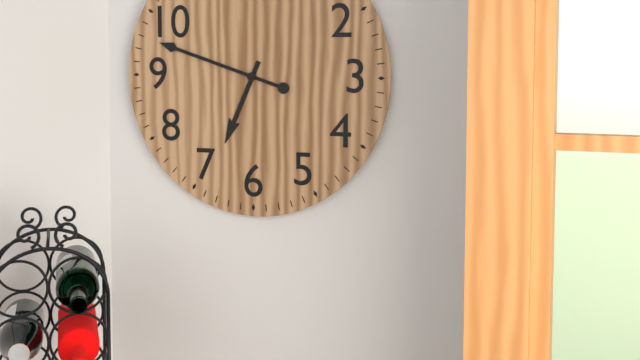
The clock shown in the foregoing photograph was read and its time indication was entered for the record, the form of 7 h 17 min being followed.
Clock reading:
6 h 48 min
